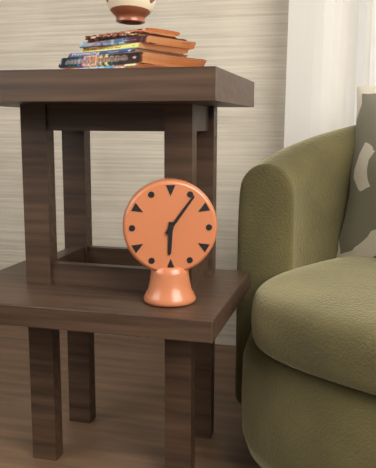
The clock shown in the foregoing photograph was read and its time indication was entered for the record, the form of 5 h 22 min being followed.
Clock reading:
6 h 06 min
